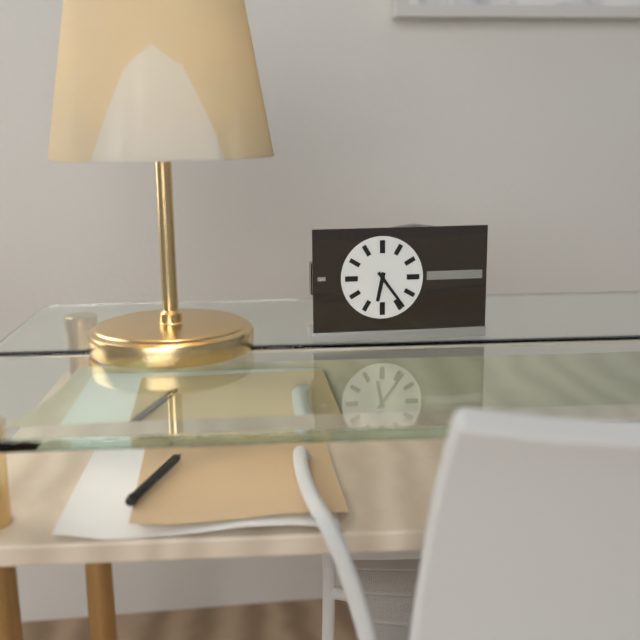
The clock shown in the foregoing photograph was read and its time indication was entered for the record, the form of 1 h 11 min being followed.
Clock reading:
6 h 24 min
